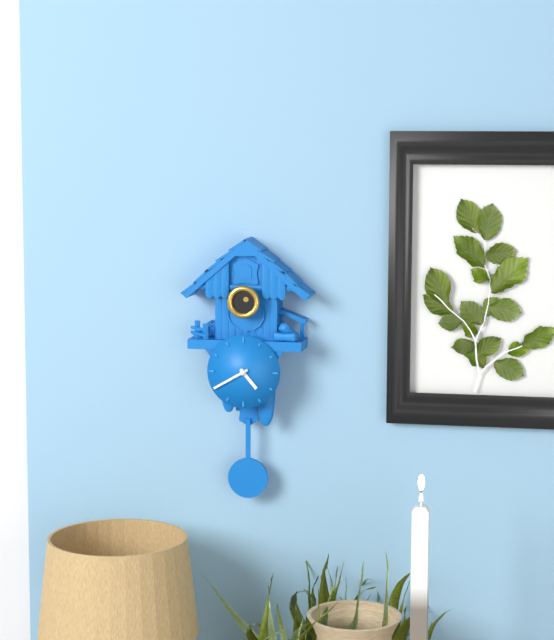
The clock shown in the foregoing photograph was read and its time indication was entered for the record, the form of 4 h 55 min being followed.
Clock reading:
4 h 40 min
